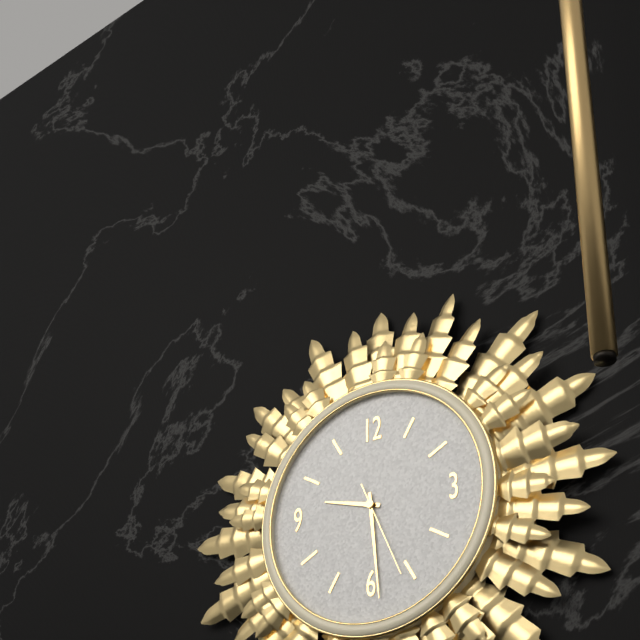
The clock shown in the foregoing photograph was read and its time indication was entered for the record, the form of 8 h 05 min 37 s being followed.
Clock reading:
9 h 29 min 26 s
